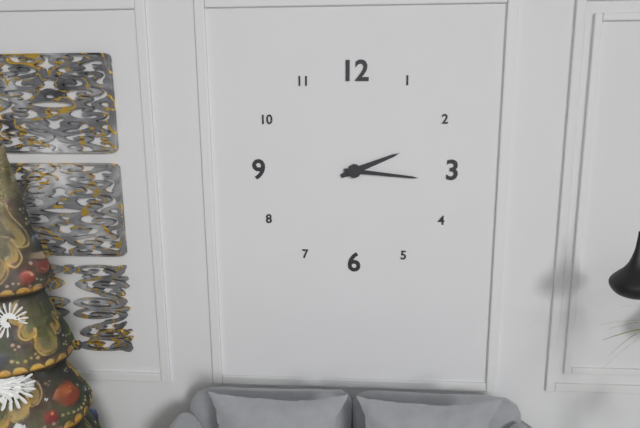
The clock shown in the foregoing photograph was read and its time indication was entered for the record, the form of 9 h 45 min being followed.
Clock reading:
2 h 16 min
